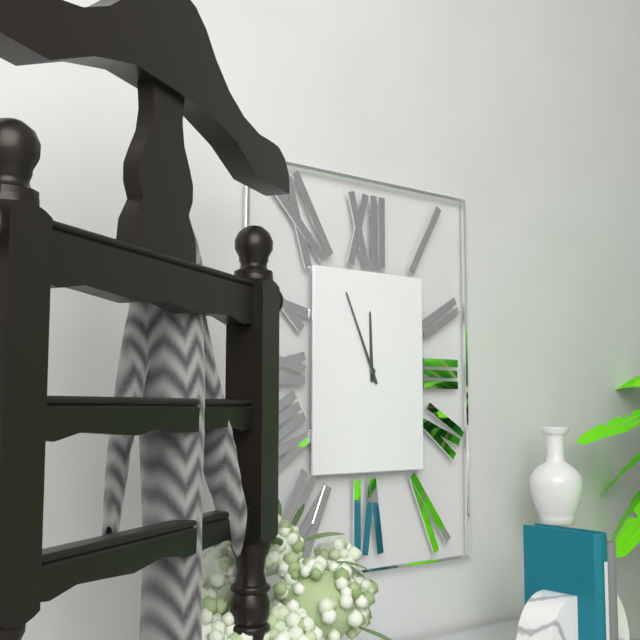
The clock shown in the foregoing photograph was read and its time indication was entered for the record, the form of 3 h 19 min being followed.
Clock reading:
11 h 56 min
